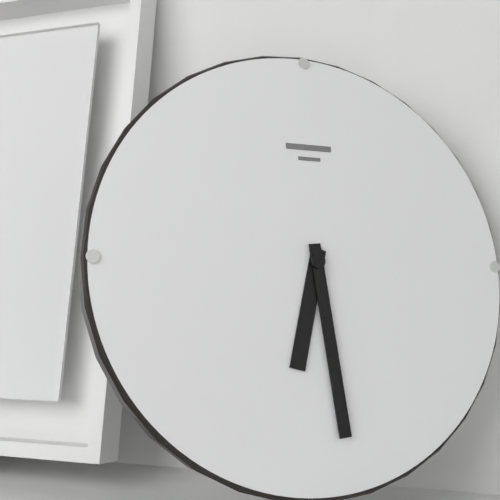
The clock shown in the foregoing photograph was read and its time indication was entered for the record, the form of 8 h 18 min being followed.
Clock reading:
6 h 29 min
